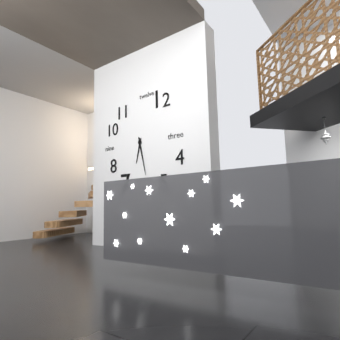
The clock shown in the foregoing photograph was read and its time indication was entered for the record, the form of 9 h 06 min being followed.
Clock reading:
6 h 28 min
